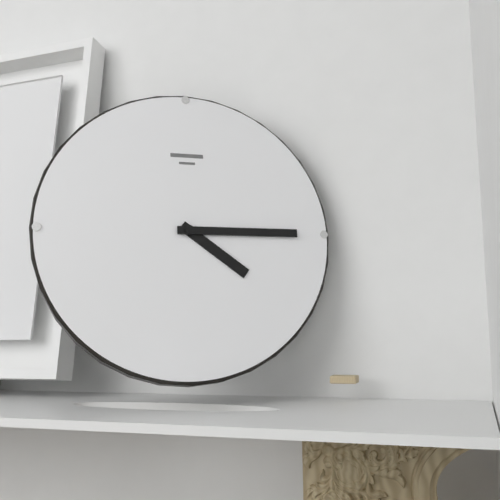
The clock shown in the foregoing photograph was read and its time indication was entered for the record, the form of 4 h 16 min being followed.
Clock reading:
4 h 15 min
